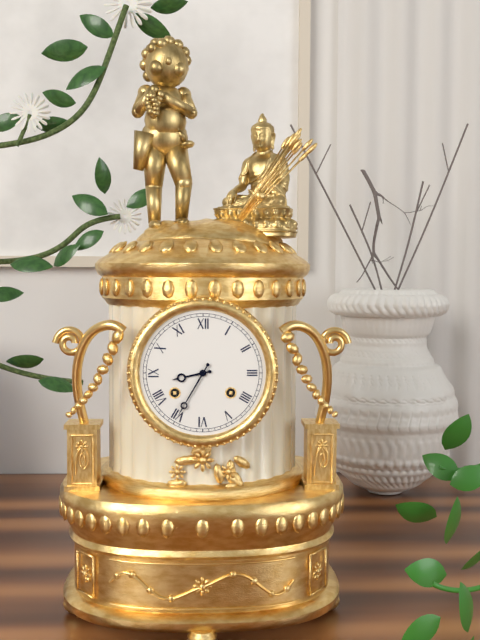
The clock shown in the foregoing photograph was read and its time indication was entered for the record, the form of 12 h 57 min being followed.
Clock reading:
8 h 35 min
